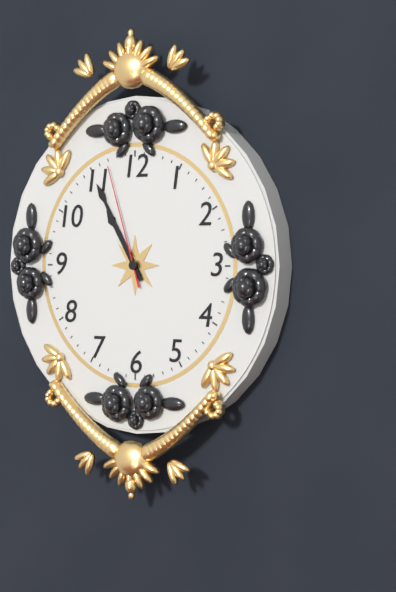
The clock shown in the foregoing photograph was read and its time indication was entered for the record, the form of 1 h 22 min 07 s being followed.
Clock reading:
10 h 55 min 57 s
